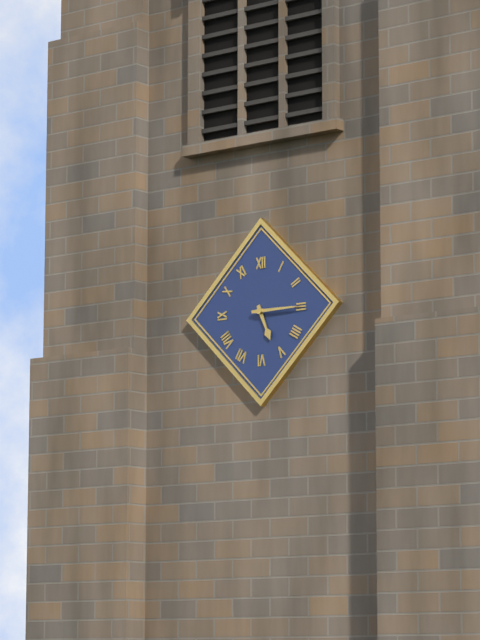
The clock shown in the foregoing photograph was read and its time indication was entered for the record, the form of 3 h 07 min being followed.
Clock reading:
5 h 15 min
